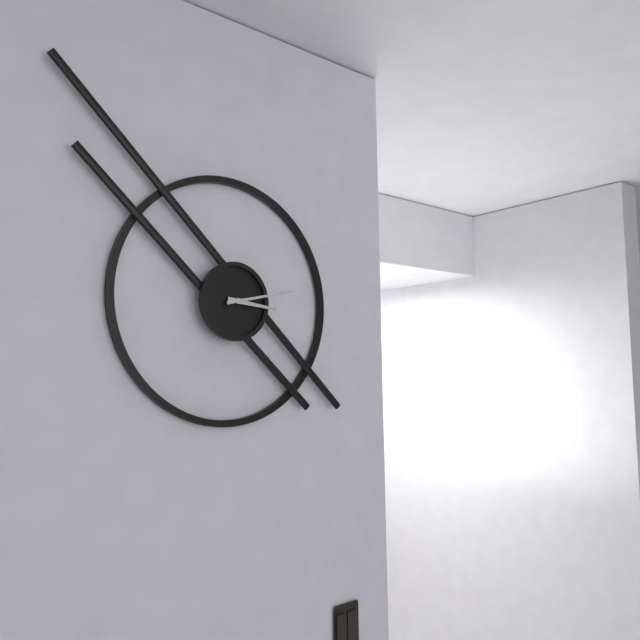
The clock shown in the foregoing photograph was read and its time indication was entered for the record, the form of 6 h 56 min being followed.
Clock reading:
3 h 13 min
